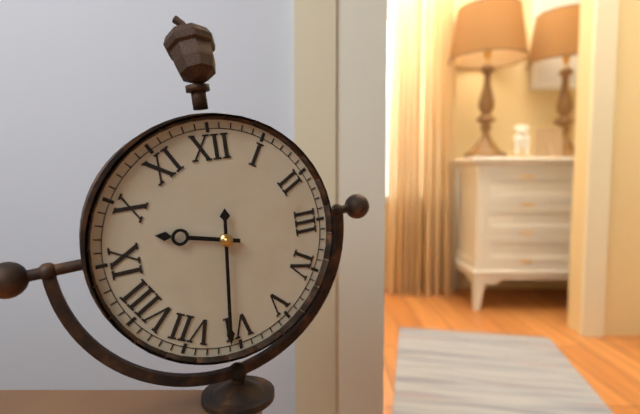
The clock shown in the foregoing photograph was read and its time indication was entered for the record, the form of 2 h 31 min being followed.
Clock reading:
9 h 31 min
